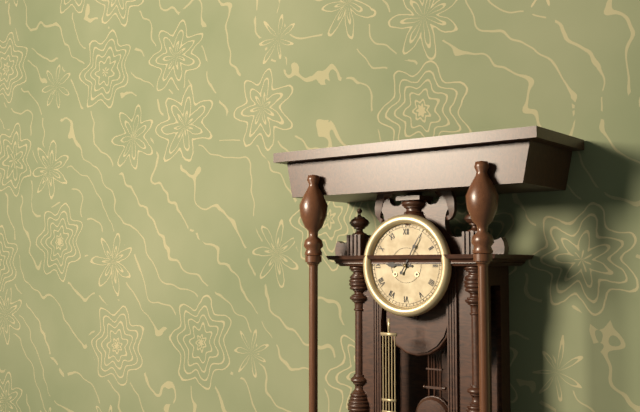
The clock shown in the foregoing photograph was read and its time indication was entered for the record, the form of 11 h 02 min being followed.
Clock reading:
9 h 05 min
